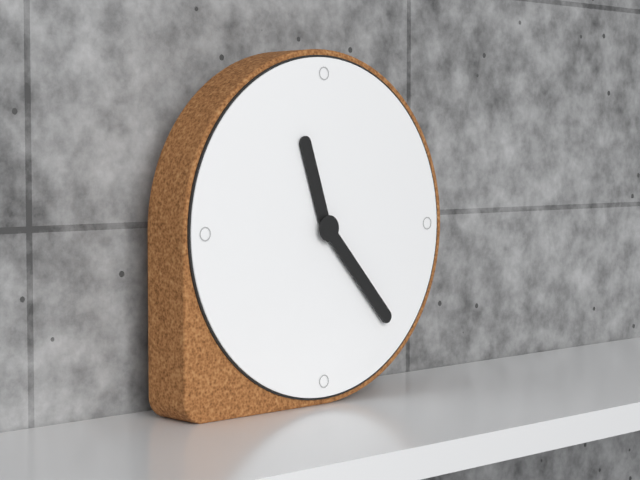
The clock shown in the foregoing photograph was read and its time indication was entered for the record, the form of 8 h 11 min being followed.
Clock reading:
11 h 23 min
